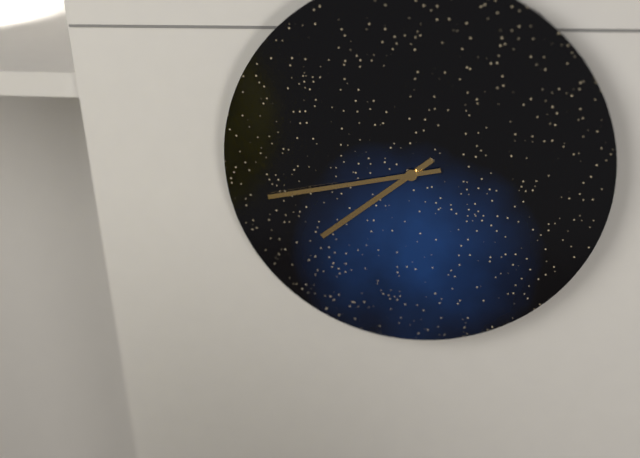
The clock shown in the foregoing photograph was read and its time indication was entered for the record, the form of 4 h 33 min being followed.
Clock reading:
7 h 43 min
